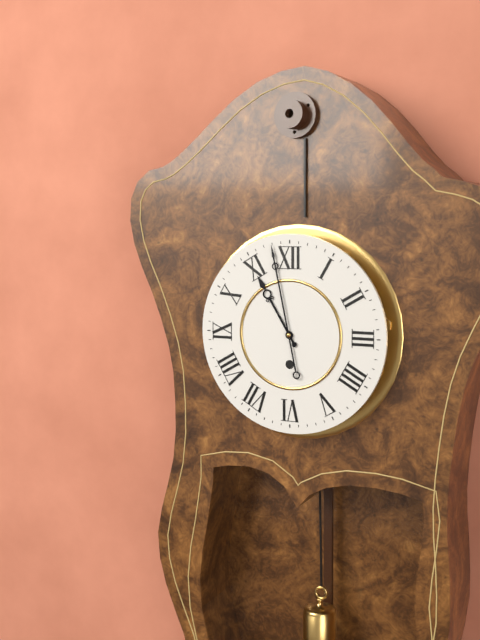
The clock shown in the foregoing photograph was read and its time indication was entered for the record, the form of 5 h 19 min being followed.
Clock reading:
10 h 58 min
